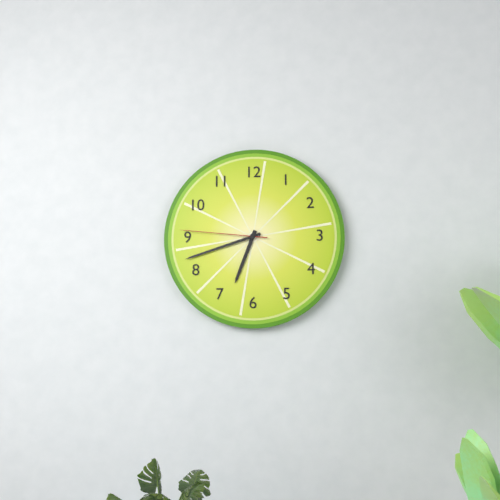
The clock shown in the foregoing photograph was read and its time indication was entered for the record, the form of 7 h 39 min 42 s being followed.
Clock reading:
6 h 42 min 46 s
